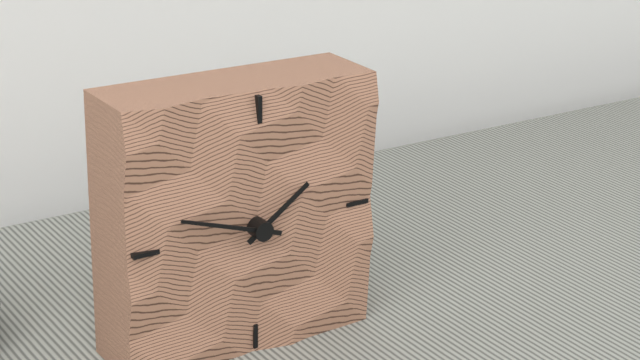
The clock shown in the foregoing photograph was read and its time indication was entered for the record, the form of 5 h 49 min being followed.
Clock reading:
1 h 48 min
